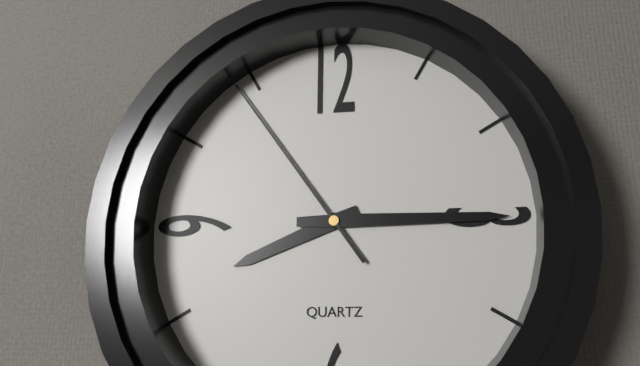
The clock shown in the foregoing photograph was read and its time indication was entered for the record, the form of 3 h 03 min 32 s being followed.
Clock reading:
8 h 15 min 54 s
